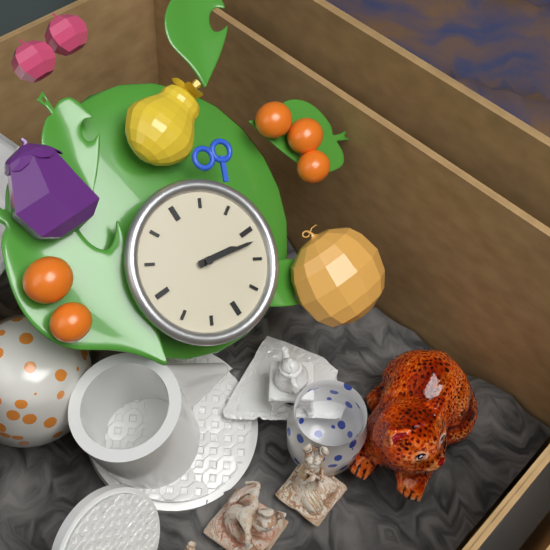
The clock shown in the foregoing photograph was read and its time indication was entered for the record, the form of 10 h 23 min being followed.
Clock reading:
3 h 17 min
